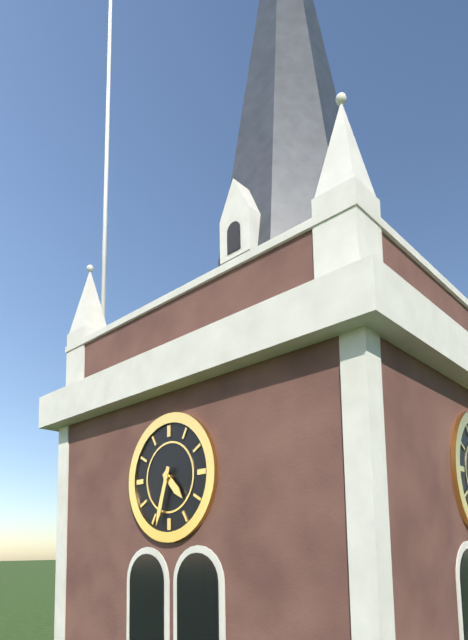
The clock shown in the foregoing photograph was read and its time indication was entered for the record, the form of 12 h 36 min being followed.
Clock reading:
4 h 33 min
